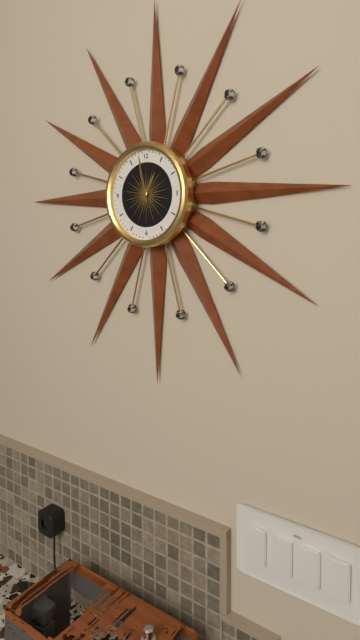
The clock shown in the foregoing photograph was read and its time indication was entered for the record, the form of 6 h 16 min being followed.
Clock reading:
12 h 58 min
